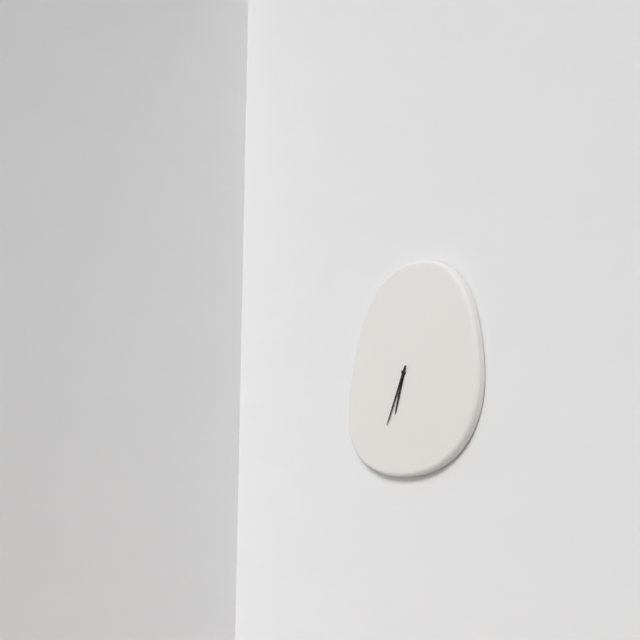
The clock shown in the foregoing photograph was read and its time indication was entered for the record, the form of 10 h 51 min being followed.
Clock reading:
6 h 34 min
